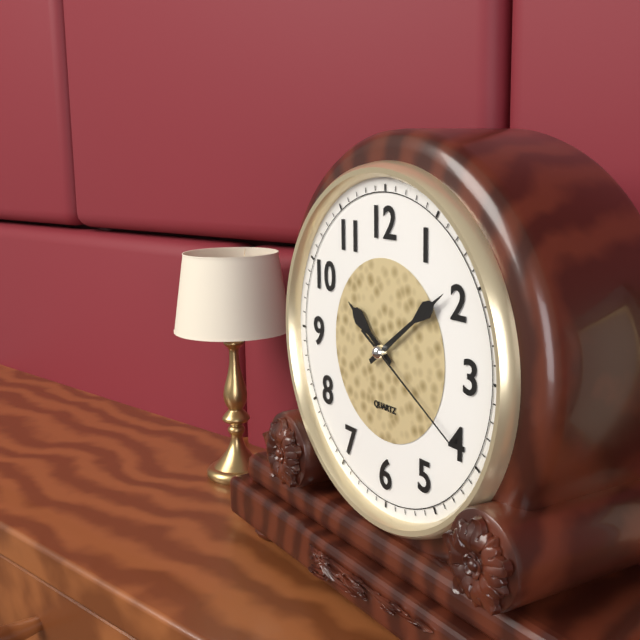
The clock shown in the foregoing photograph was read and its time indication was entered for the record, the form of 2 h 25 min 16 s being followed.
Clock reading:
10 h 09 min 20 s
